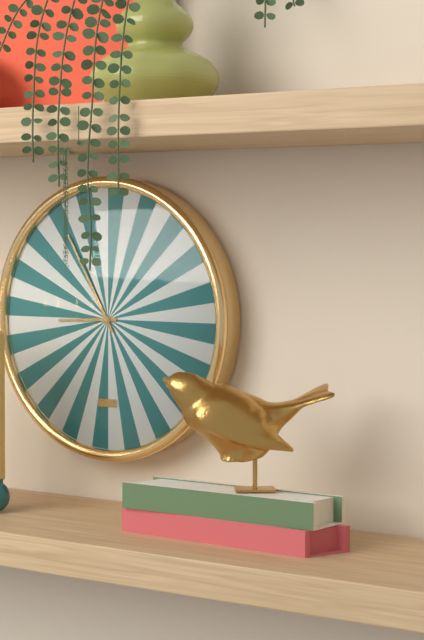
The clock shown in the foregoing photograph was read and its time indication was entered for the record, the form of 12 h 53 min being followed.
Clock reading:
8 h 55 min
